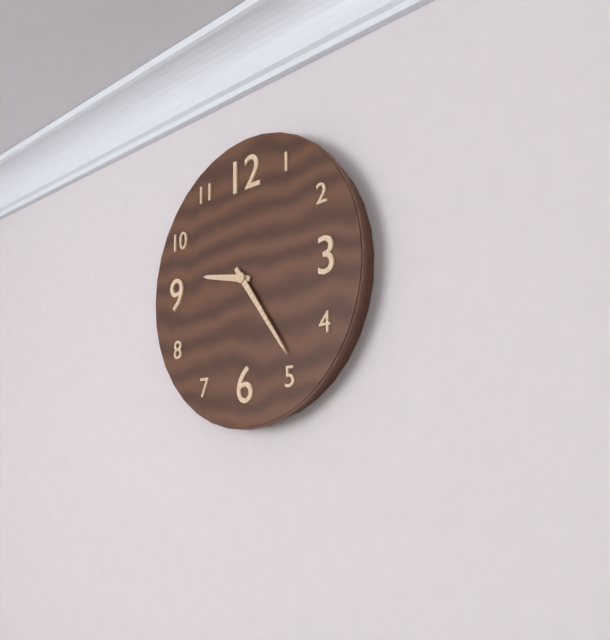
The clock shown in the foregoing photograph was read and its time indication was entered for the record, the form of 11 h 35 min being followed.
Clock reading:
9 h 24 min
